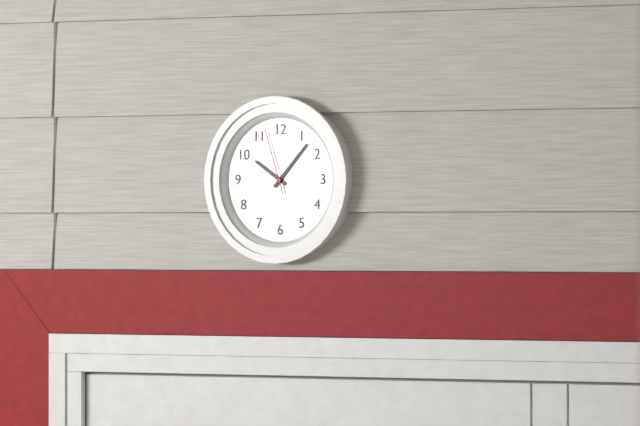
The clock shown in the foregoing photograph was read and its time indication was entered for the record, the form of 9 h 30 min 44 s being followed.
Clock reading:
10 h 07 min 57 s
